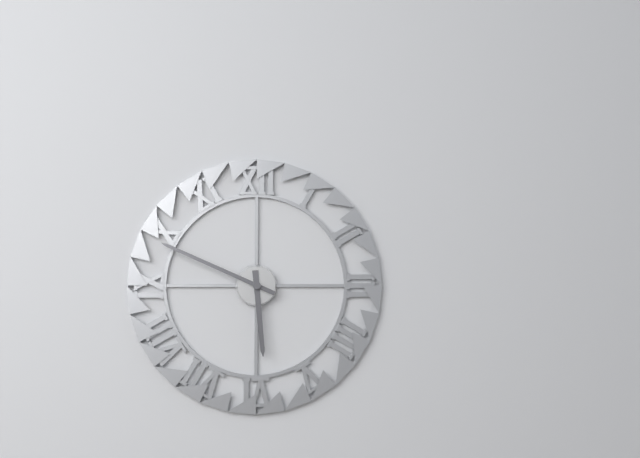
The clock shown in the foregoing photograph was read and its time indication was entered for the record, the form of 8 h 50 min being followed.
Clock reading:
5 h 49 min
